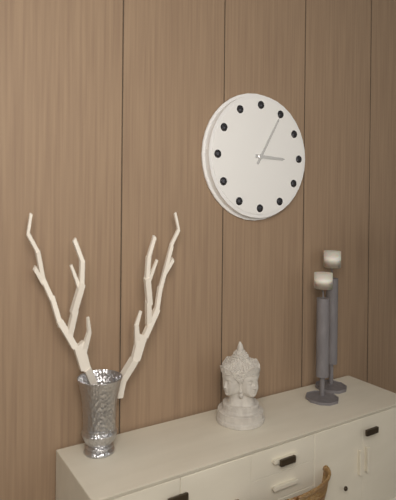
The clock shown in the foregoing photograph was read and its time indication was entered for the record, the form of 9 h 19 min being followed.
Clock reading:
3 h 05 min
